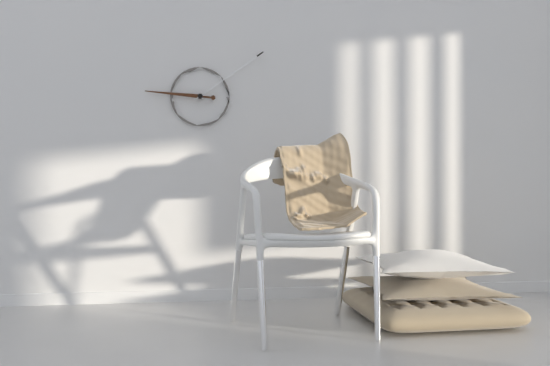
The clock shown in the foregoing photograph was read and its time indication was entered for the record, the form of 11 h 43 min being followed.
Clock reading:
9 h 09 min
